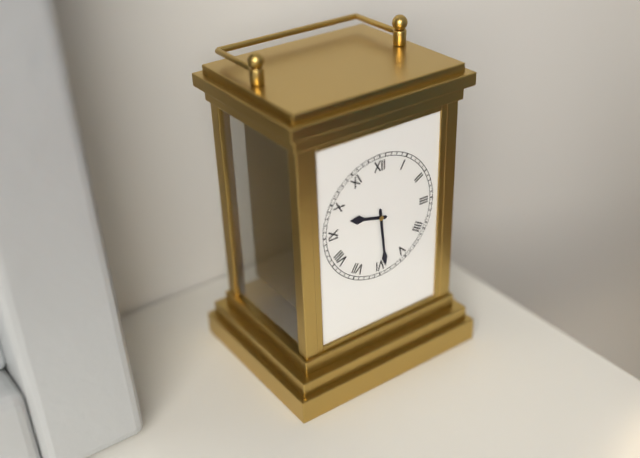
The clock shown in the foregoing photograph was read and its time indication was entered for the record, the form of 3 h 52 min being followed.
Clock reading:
9 h 29 min
